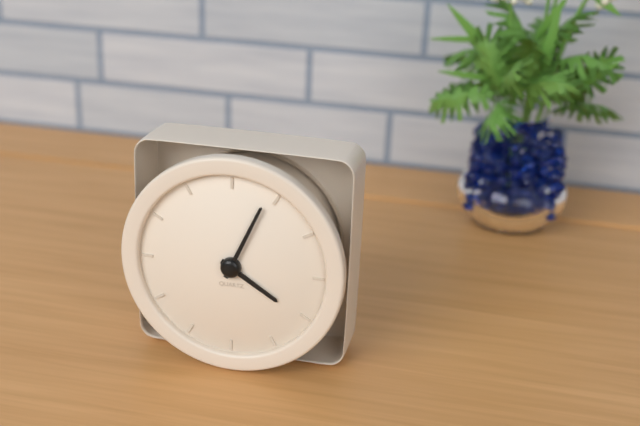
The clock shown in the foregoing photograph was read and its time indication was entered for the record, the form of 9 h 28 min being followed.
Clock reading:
4 h 04 min
